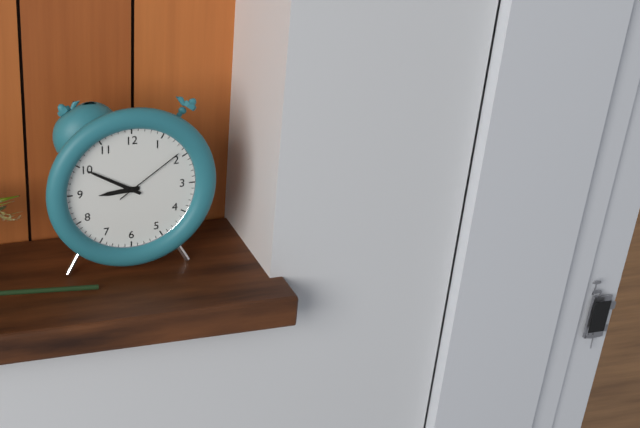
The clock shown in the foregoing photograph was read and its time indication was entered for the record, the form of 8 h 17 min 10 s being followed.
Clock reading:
8 h 50 min 09 s
